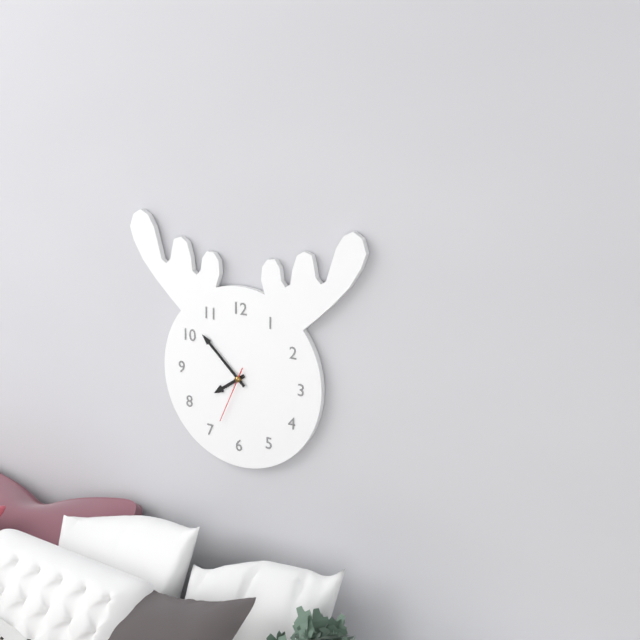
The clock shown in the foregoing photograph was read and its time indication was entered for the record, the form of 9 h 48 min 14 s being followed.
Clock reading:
7 h 52 min 34 s
